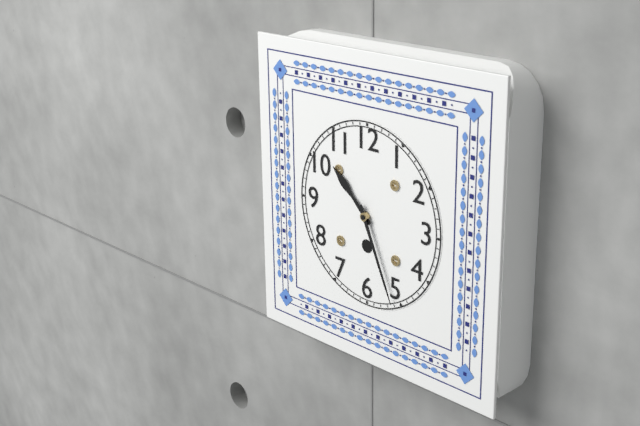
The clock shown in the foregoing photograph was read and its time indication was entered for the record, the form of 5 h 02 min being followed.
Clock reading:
10 h 26 min
